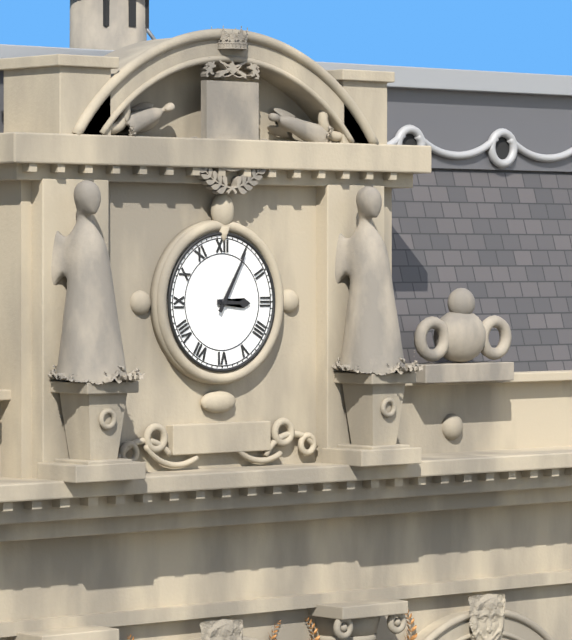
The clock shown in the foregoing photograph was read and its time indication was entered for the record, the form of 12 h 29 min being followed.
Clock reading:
3 h 05 min
